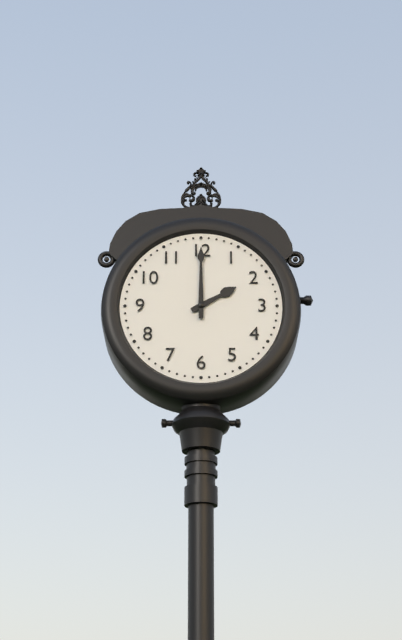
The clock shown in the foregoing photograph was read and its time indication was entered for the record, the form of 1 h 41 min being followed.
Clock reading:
2 h 00 min
